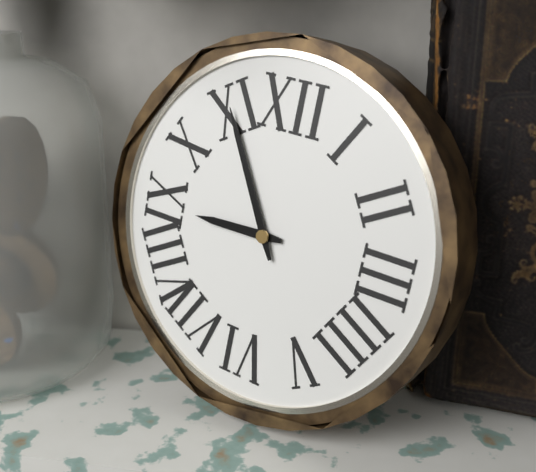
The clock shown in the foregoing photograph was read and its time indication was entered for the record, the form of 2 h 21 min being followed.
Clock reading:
8 h 55 min
